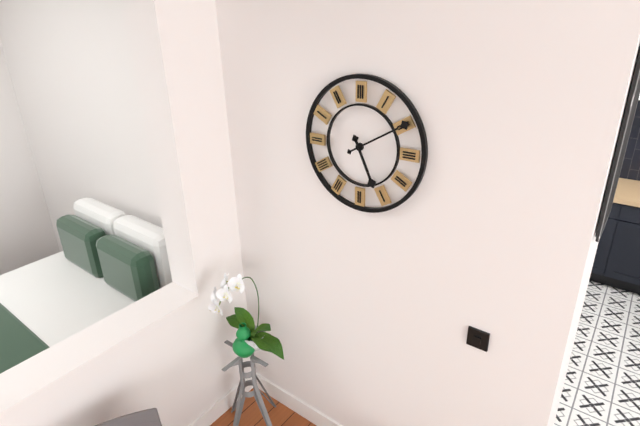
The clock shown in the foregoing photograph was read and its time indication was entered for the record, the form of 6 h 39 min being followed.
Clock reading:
5 h 10 min
